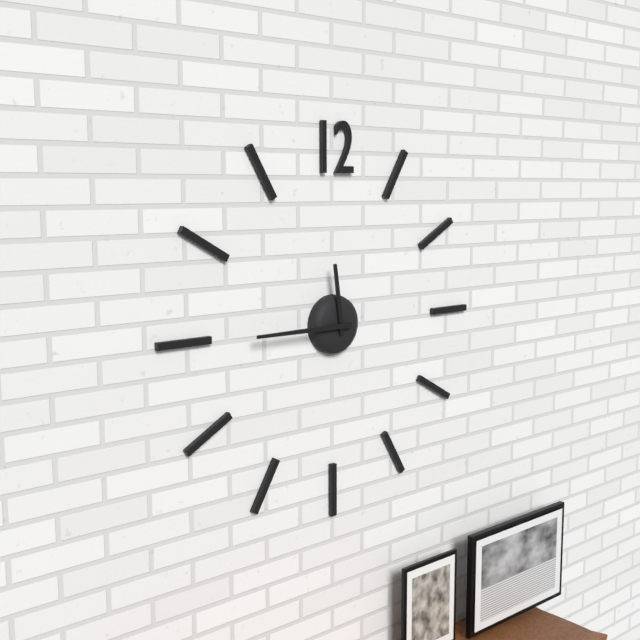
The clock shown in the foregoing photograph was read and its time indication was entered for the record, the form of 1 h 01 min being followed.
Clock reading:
11 h 45 min
